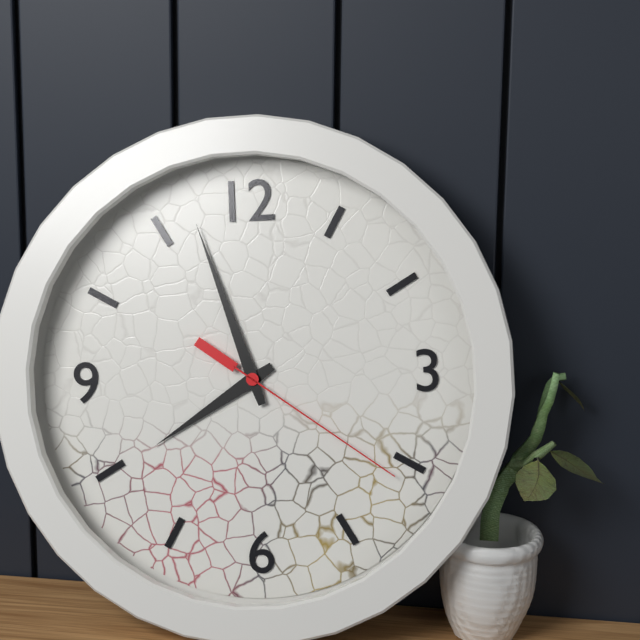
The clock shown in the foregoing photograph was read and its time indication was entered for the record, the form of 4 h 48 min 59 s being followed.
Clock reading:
7 h 57 min 21 s
